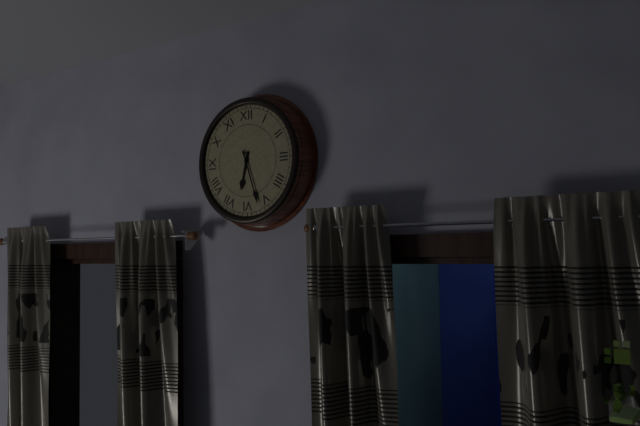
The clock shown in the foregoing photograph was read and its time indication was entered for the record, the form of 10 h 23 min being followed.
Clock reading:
6 h 27 min
